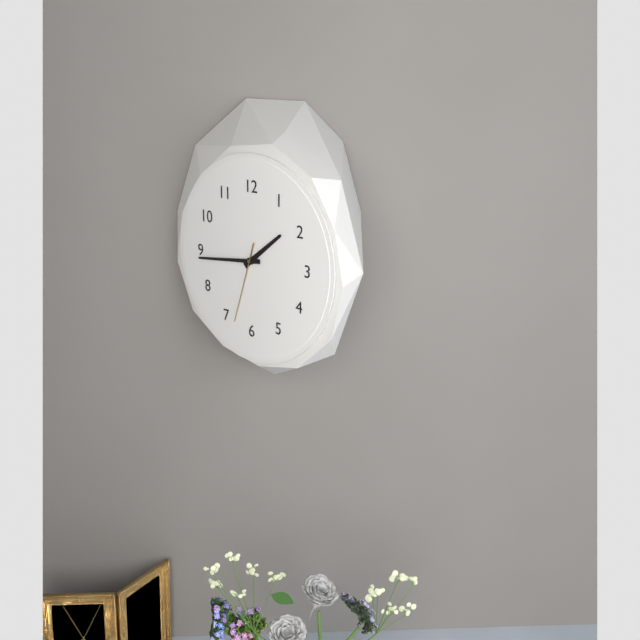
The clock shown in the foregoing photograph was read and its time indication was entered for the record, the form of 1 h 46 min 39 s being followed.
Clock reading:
1 h 44 min 33 s
